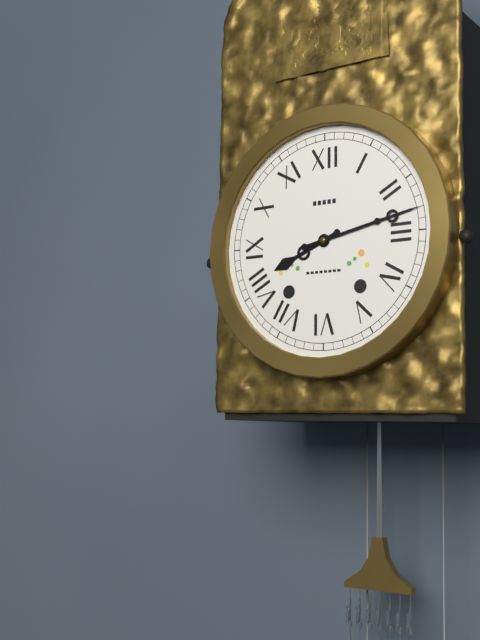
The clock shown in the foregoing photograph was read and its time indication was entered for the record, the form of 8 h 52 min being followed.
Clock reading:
8 h 13 min
